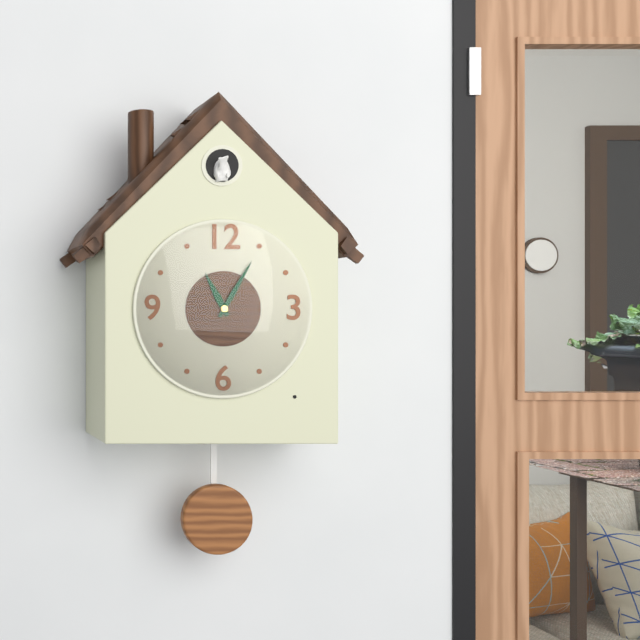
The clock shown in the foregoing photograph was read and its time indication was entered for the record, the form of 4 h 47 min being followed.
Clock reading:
11 h 05 min
